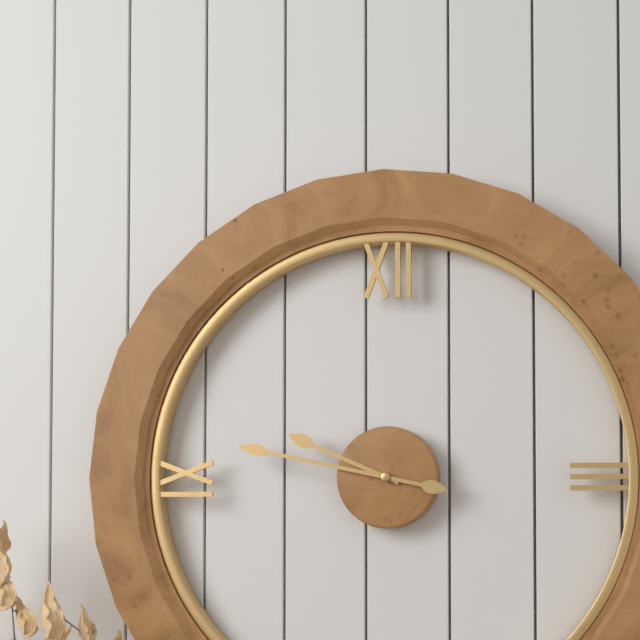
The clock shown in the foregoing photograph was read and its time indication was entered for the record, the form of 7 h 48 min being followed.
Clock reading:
9 h 47 min
